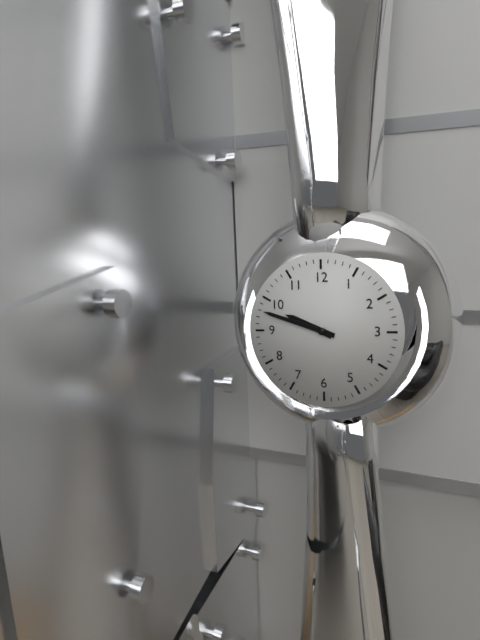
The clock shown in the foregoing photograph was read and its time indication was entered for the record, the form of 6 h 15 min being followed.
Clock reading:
9 h 48 min
